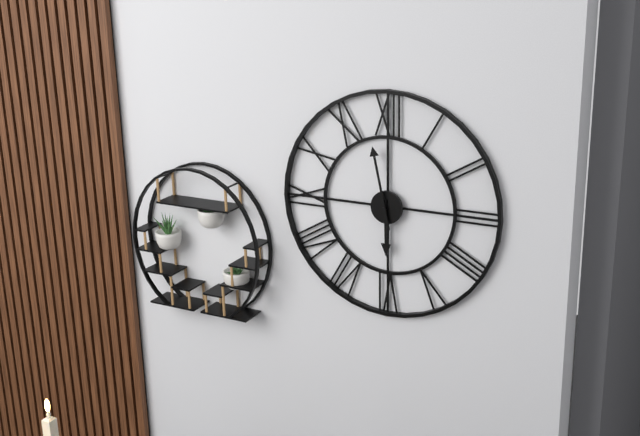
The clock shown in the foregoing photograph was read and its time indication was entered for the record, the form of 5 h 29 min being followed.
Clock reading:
5 h 58 min
